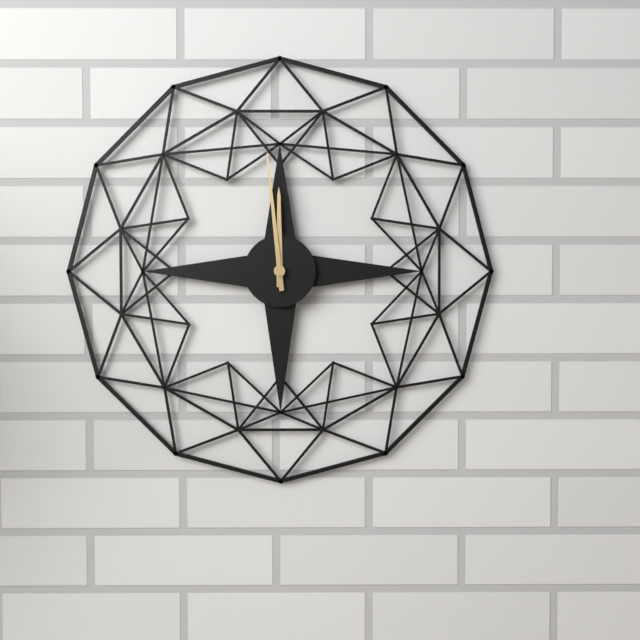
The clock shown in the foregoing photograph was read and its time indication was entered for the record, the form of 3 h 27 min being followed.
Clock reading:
11 h 59 min
